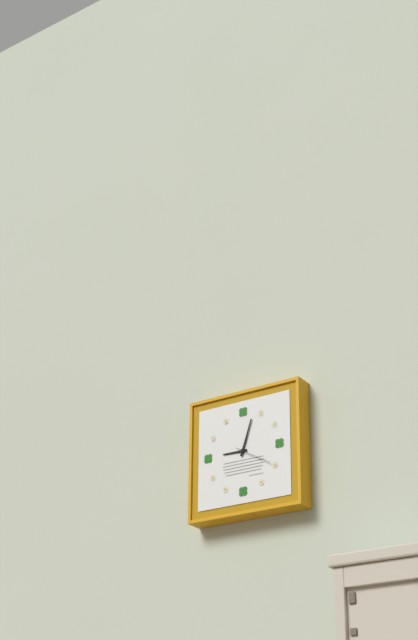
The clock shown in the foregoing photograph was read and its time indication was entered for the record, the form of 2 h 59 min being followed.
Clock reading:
9 h 03 min
